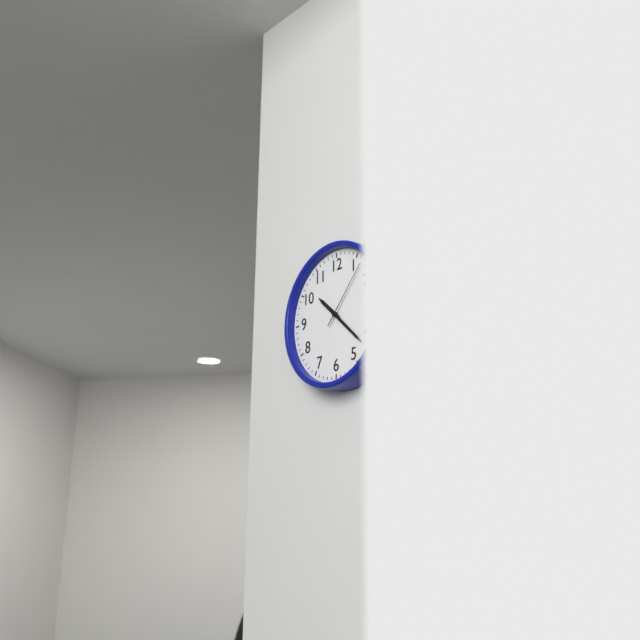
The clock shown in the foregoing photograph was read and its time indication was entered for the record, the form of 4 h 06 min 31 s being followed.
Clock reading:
10 h 22 min 07 s
